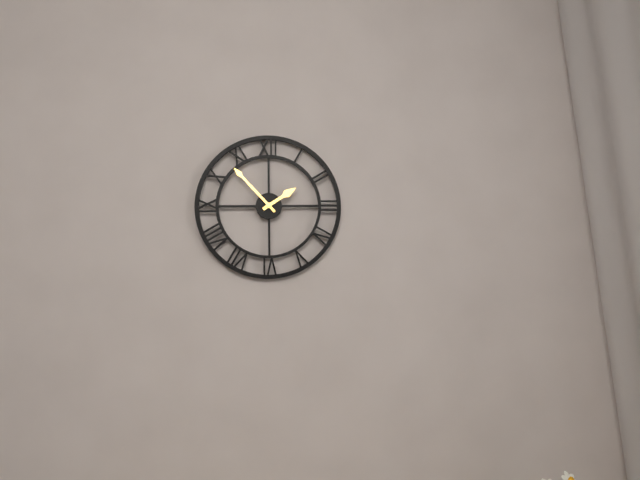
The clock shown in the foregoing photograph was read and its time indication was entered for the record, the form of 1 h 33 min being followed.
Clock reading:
1 h 53 min
